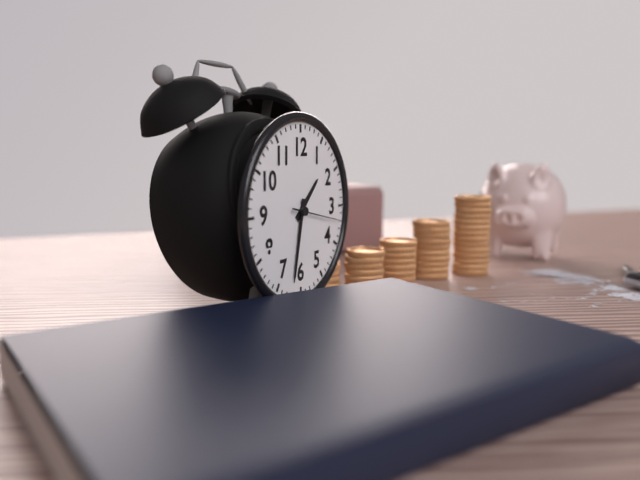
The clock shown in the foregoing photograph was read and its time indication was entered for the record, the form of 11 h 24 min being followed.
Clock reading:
1 h 32 min
